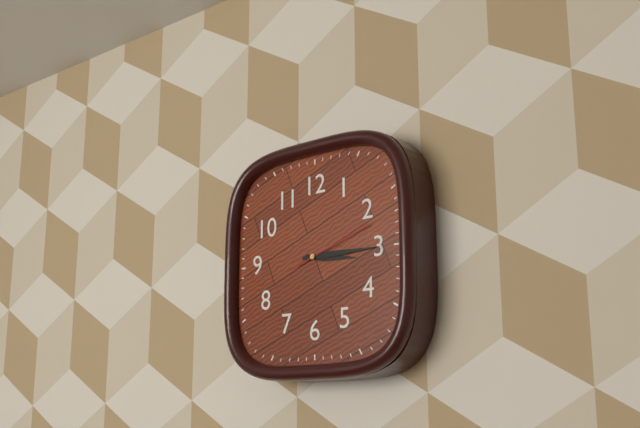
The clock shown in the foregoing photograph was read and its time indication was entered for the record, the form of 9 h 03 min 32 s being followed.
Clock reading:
3 h 15 min 12 s
